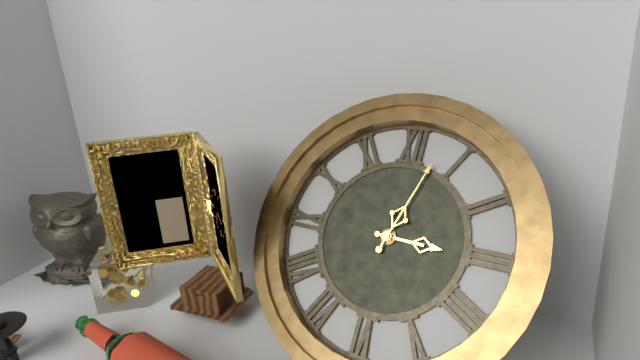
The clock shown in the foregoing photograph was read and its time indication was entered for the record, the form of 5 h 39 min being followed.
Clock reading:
3 h 03 min
